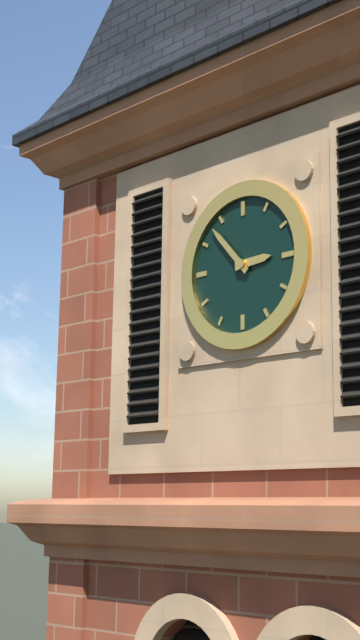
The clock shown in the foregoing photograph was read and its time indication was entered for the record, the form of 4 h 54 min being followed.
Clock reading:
2 h 53 min
